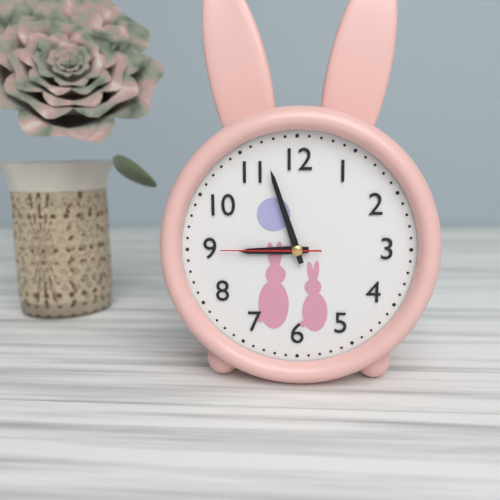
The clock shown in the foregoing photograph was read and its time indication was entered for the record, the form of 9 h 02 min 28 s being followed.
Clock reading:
8 h 57 min 45 s
